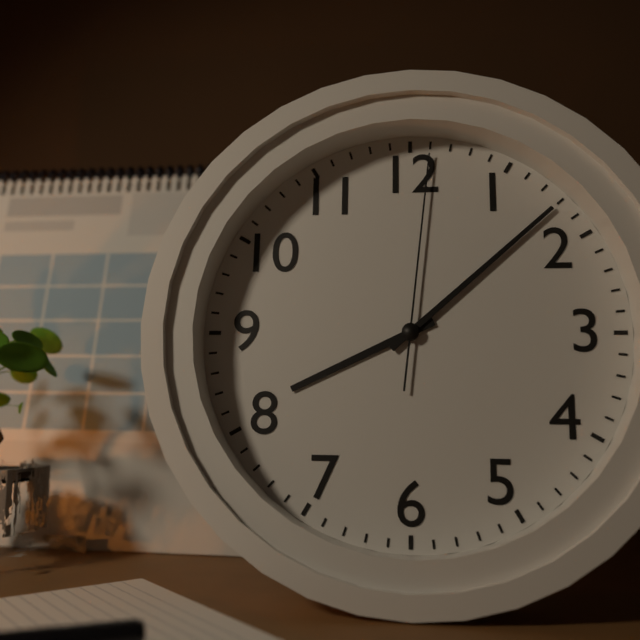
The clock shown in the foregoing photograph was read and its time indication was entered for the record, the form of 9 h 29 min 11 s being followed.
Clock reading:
8 h 08 min 01 s
